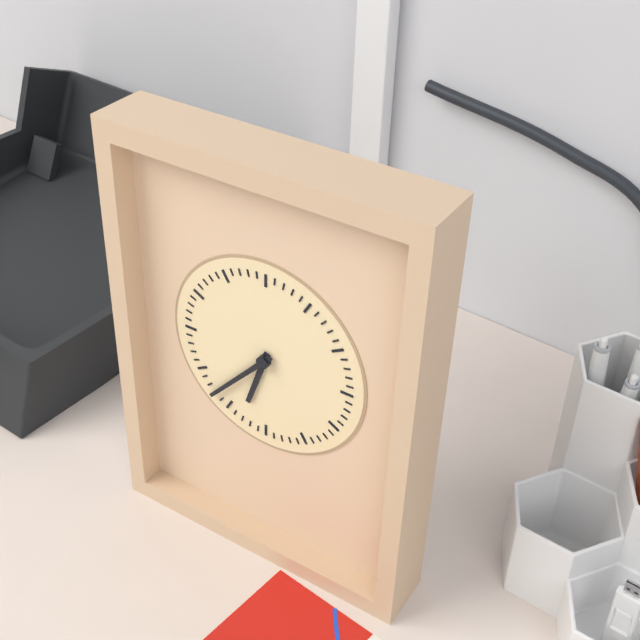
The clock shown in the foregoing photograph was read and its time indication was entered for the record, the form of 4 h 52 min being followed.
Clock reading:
6 h 37 min
